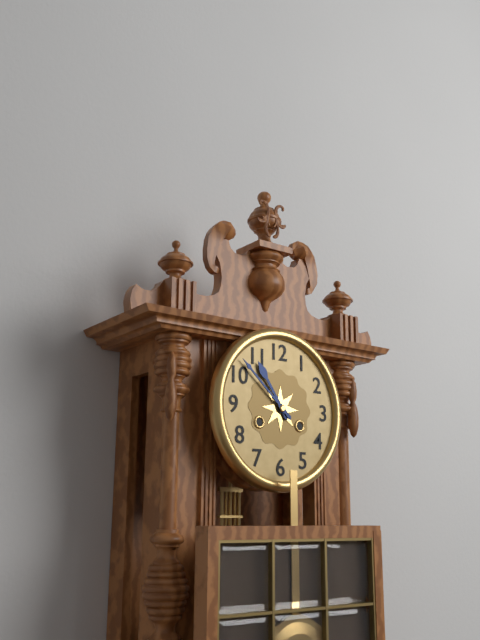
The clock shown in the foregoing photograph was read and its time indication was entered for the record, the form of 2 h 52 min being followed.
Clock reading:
10 h 52 min
